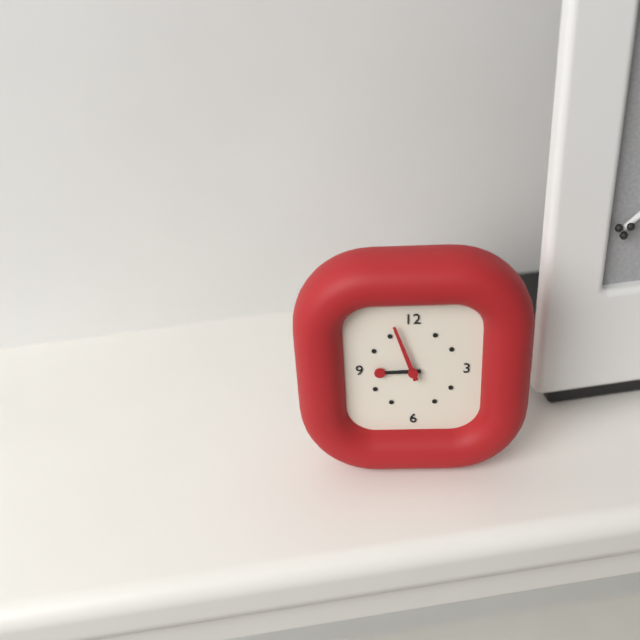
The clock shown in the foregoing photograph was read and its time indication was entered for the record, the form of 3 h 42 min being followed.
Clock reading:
8 h 57 min
